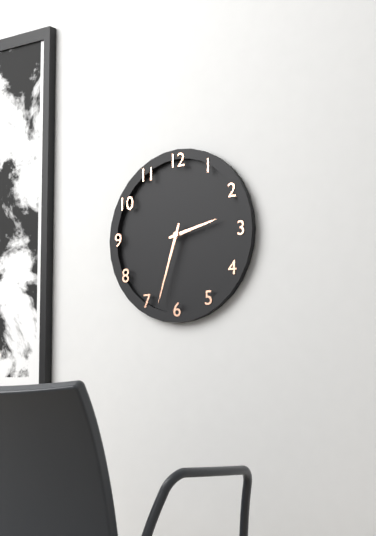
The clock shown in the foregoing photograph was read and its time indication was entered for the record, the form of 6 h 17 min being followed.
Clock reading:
2 h 33 min
